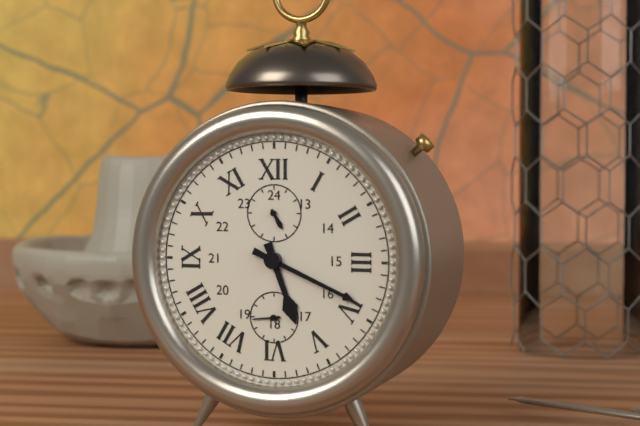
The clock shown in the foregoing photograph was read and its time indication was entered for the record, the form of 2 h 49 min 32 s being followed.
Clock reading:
5 h 19 min 44 s
